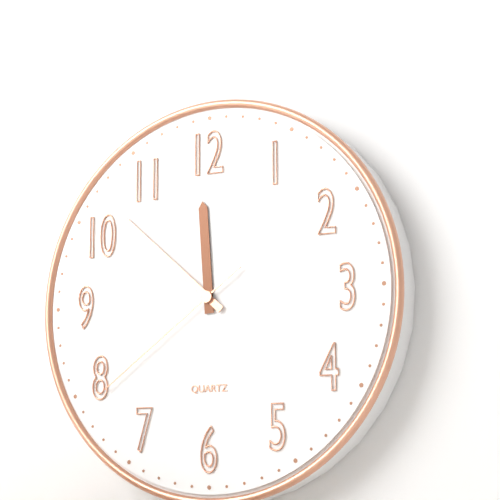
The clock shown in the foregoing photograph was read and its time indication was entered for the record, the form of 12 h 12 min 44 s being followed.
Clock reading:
11 h 52 min 39 s
